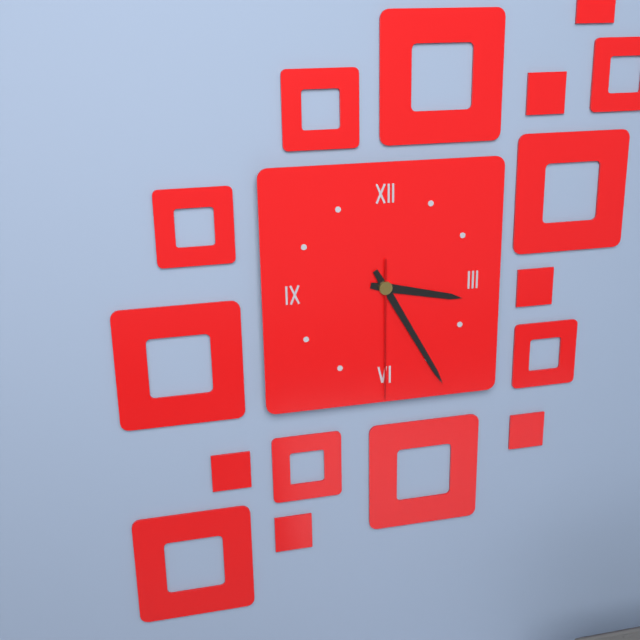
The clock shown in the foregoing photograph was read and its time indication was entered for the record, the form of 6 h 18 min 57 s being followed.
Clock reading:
3 h 25 min 30 s
